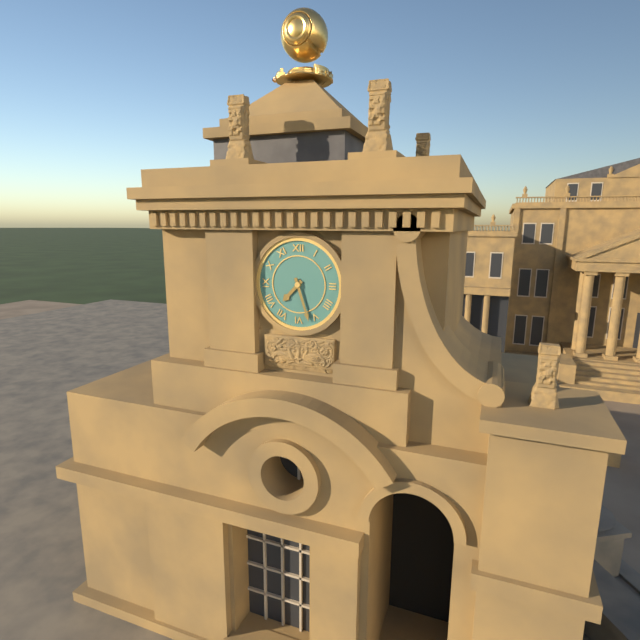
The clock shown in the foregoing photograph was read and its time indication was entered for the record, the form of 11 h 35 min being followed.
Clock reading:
7 h 27 min
